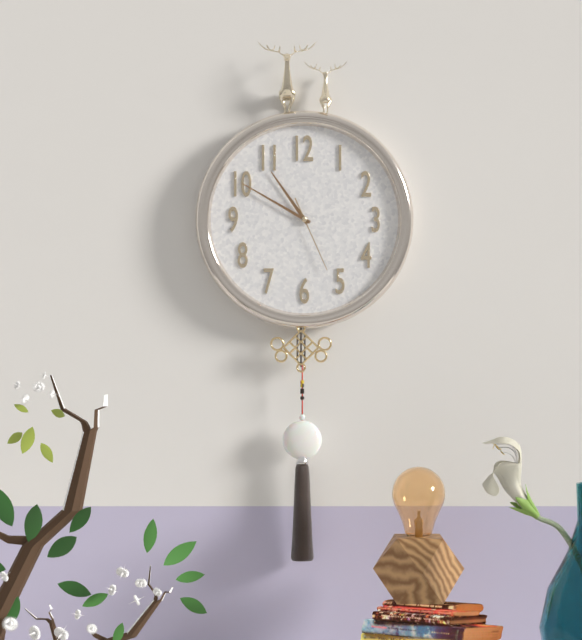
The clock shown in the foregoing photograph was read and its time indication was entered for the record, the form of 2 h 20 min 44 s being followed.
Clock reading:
10 h 50 min 26 s
